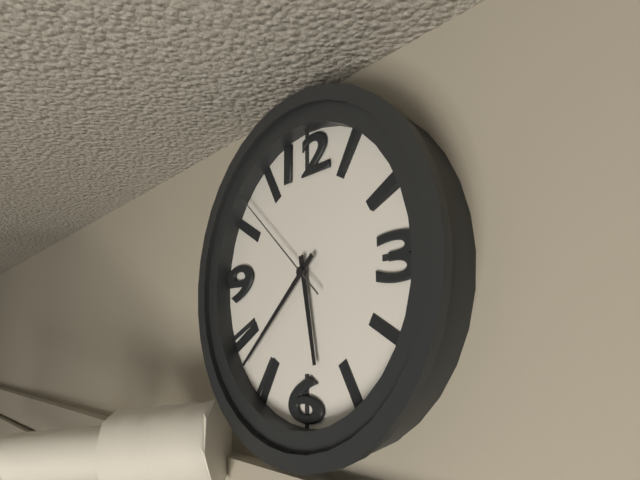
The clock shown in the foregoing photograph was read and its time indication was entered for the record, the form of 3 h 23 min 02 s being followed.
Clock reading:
5 h 38 min 52 s
